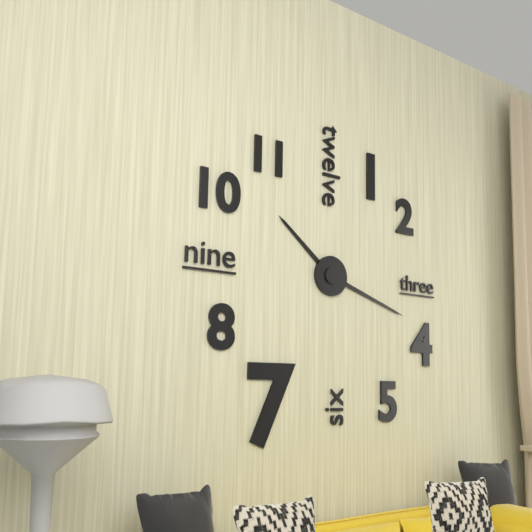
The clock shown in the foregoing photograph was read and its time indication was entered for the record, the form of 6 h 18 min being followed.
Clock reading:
10 h 18 min
